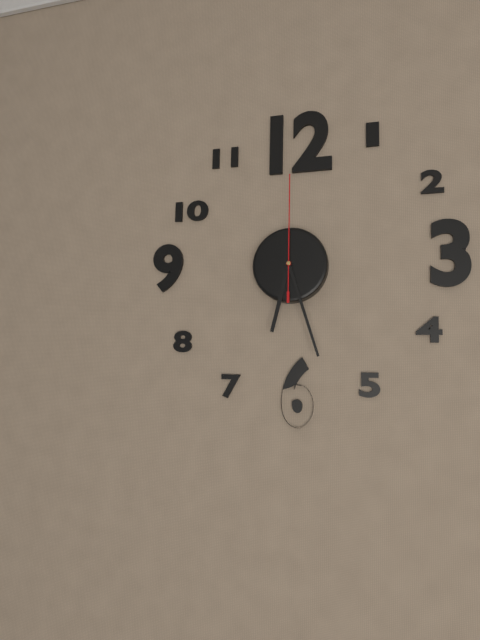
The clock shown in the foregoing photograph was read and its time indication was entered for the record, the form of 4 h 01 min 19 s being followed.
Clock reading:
6 h 27 min 00 s
